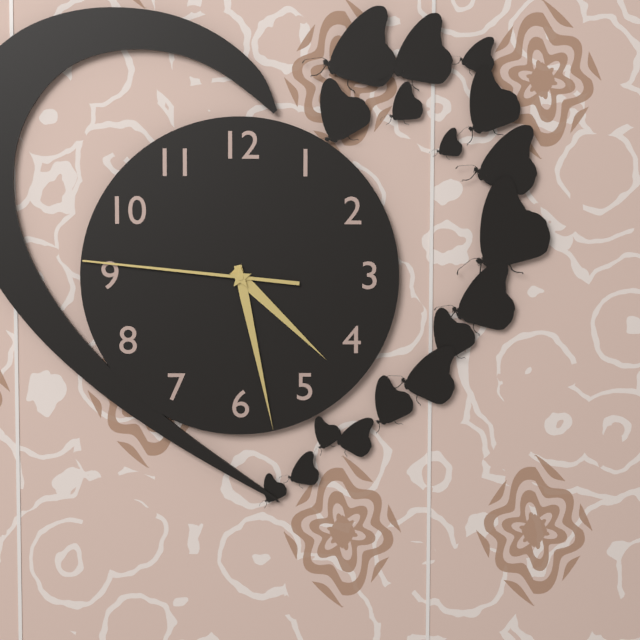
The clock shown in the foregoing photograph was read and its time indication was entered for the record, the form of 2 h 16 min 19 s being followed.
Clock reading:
4 h 28 min 46 s
